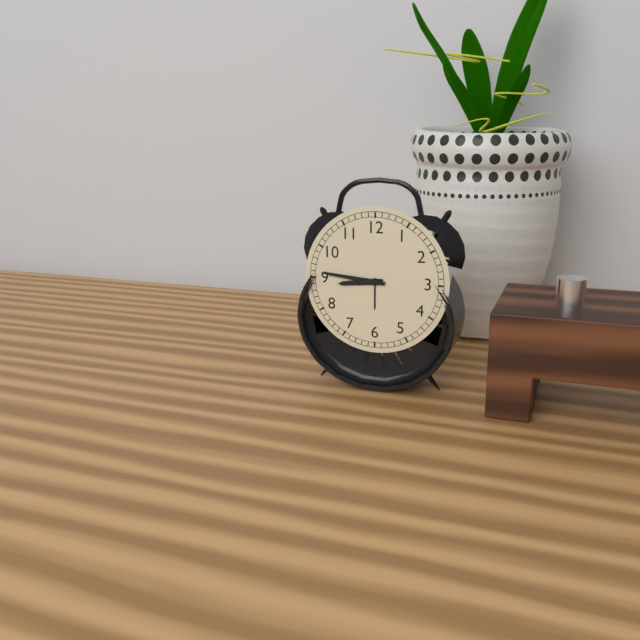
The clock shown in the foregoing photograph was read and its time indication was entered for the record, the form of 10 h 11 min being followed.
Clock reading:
8 h 46 min
